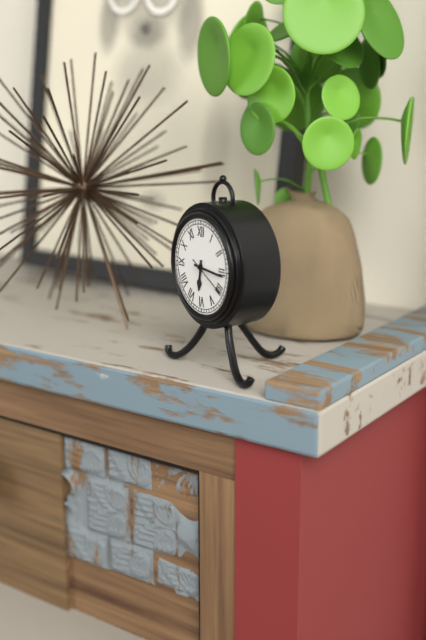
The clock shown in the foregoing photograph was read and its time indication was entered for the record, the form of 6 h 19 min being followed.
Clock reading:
6 h 16 min
